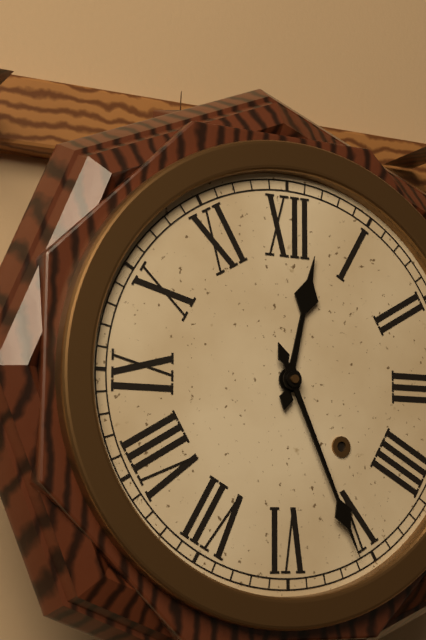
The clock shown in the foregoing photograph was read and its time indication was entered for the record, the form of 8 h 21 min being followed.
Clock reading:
12 h 26 min
